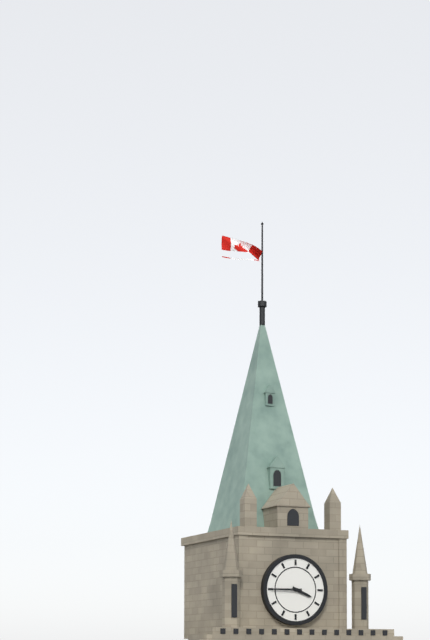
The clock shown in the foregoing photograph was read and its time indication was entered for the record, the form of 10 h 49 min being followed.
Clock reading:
3 h 45 min
